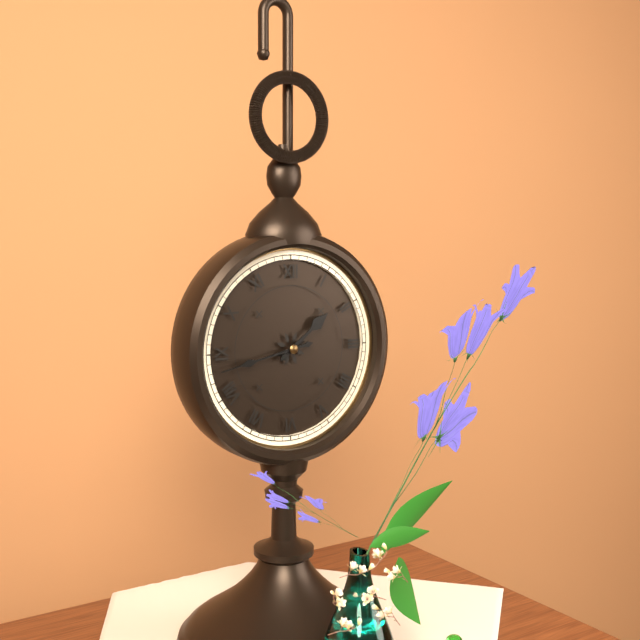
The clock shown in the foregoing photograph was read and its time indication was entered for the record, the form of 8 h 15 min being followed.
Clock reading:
1 h 43 min
